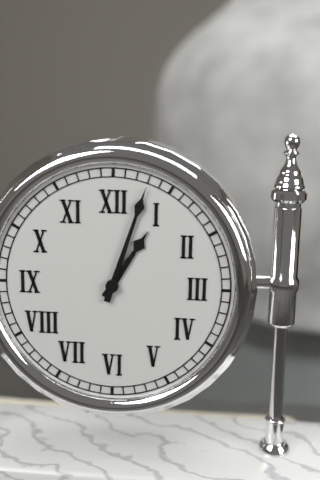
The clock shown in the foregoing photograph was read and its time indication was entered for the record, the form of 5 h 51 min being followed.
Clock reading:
1 h 03 min
